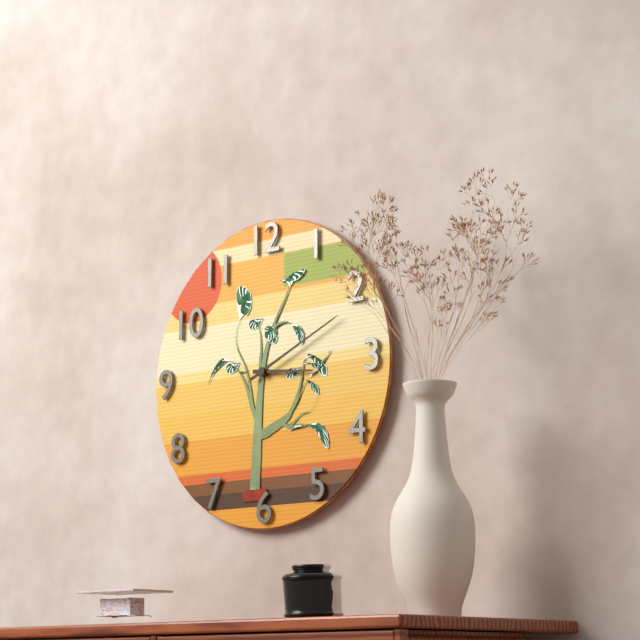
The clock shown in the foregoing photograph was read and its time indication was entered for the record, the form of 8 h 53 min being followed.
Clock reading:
3 h 11 min
